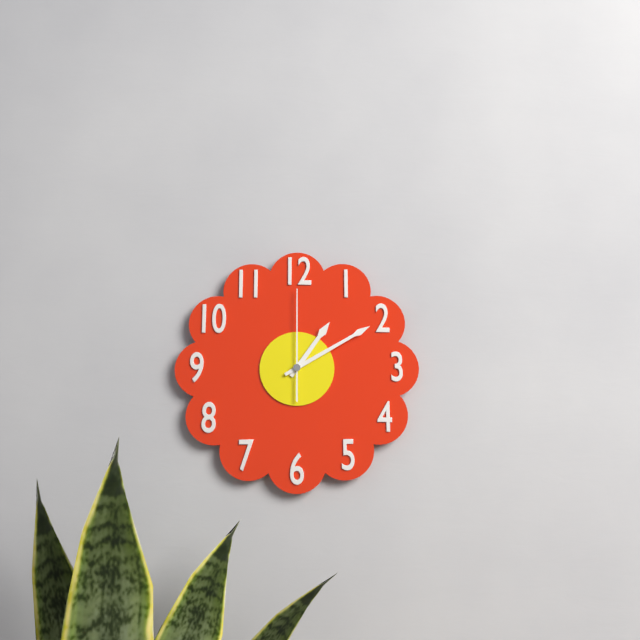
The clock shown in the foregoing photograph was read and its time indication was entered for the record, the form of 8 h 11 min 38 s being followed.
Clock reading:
1 h 10 min 00 s
